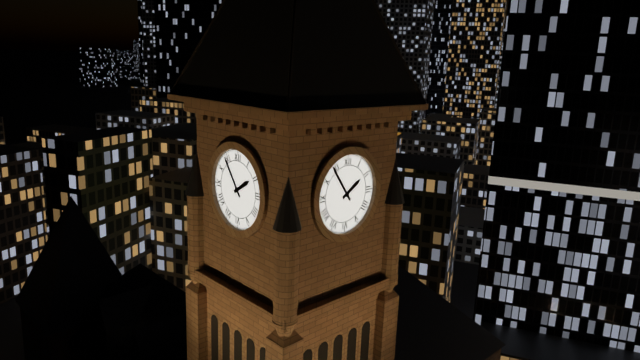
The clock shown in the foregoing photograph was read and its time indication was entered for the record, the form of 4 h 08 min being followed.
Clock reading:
1 h 54 min
